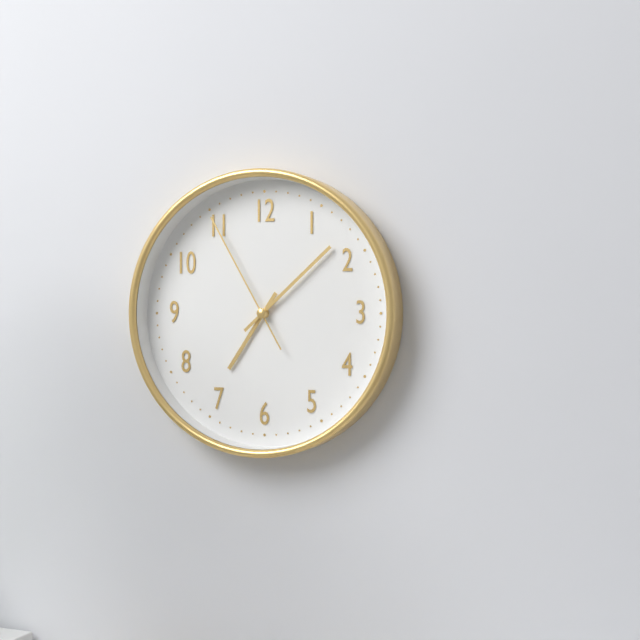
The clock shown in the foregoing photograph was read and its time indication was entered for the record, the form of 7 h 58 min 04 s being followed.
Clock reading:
7 h 08 min 55 s
